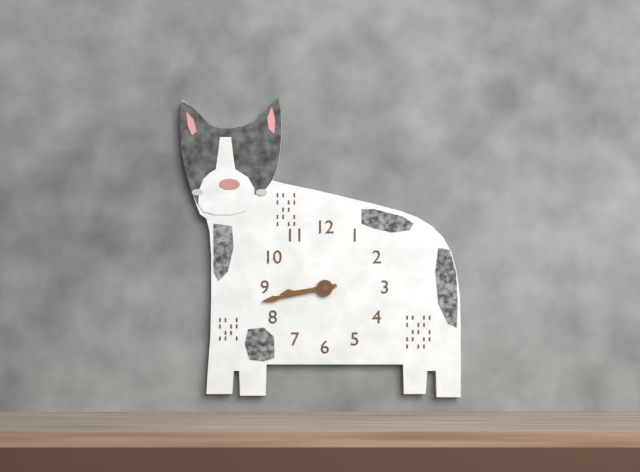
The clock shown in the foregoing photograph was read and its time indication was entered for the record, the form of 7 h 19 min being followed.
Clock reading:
8 h 43 min
